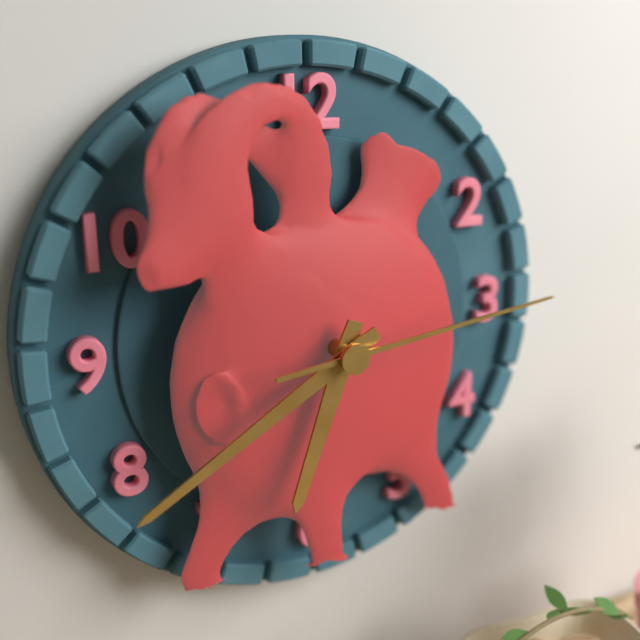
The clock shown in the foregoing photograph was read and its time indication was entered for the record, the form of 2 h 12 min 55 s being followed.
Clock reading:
6 h 40 min 14 s
